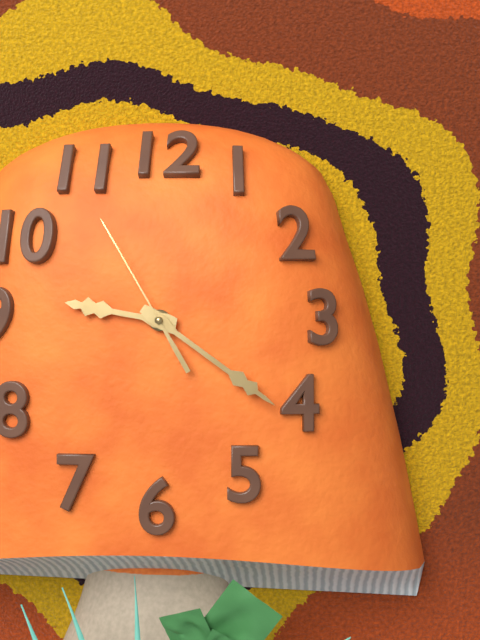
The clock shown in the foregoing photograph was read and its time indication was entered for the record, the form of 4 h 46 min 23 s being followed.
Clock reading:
9 h 21 min 55 s
